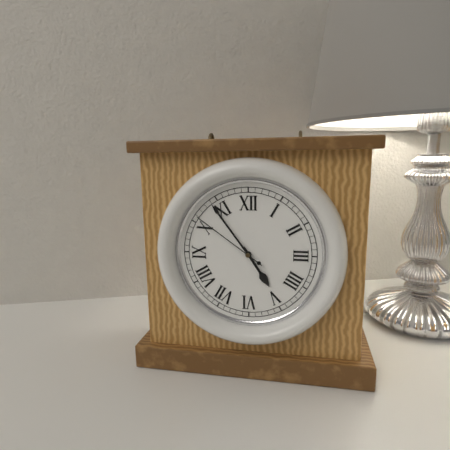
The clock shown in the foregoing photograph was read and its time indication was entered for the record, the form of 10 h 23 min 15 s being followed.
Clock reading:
4 h 54 min 51 s
